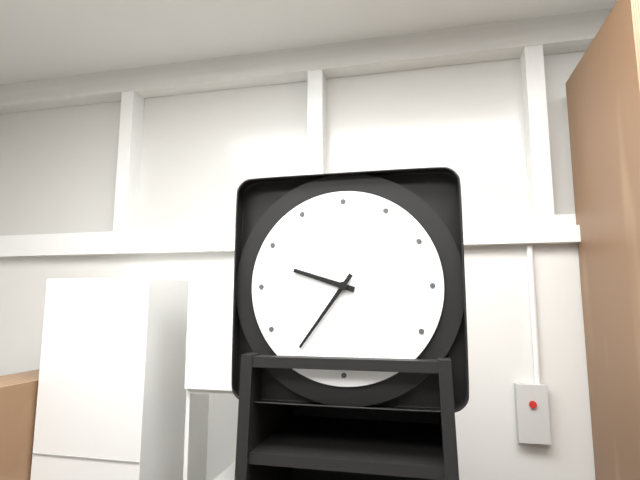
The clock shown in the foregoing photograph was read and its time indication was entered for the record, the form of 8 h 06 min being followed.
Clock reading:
9 h 36 min
